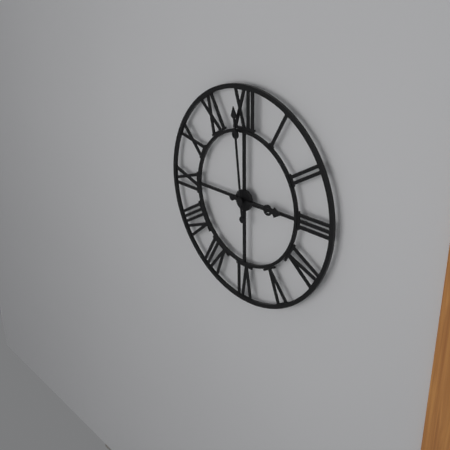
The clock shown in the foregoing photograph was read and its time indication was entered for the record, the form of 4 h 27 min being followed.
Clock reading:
2 h 59 min
